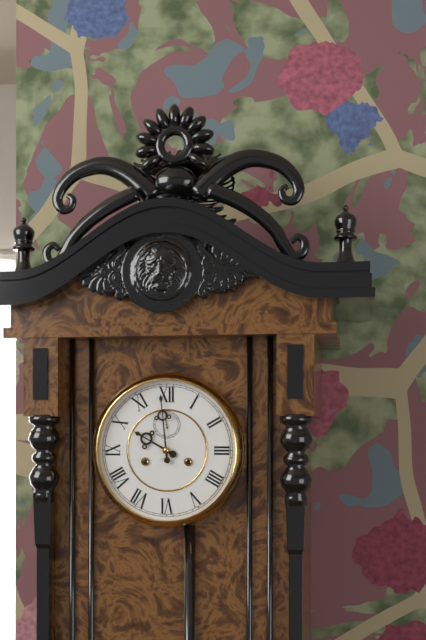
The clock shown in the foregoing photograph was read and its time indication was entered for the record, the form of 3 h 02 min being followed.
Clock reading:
9 h 59 min
